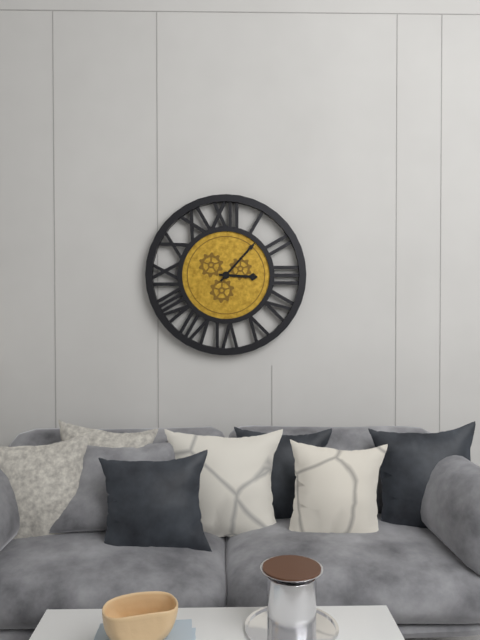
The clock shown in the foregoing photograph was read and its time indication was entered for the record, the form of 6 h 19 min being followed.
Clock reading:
3 h 07 min
